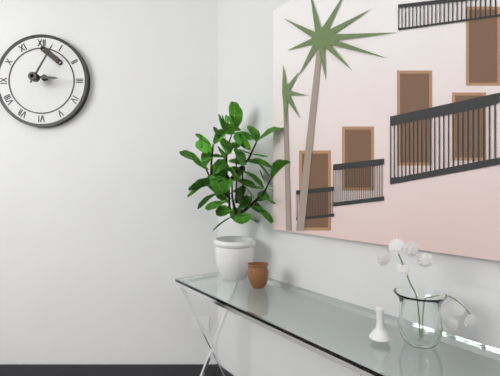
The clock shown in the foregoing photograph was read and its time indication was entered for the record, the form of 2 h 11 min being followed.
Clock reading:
3 h 05 min
